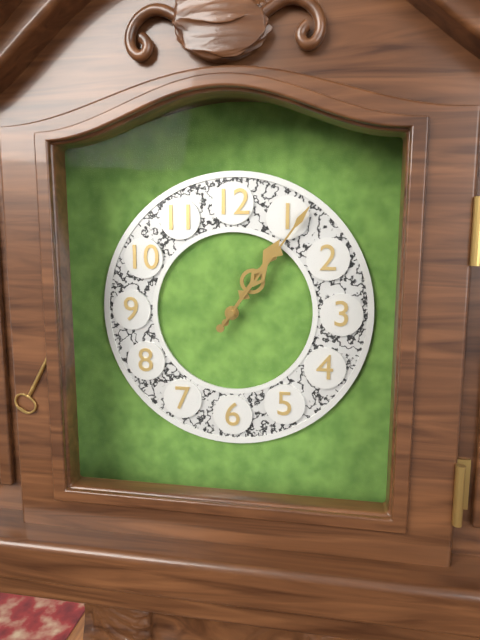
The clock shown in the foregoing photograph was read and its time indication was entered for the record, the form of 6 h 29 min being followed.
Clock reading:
1 h 06 min
